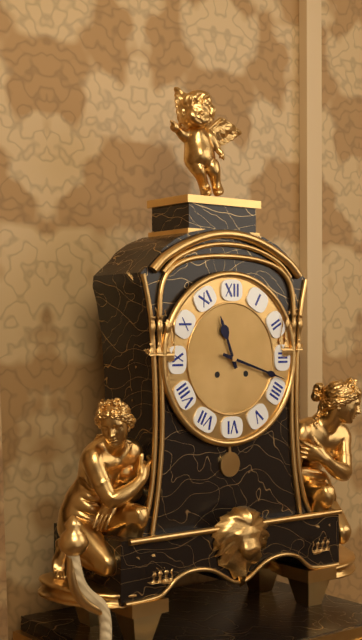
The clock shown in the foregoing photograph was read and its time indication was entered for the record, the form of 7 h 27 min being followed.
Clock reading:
11 h 18 min
